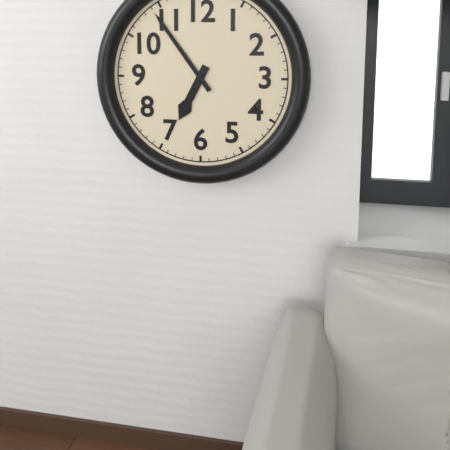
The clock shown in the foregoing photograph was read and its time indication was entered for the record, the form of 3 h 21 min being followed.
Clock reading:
6 h 54 min
